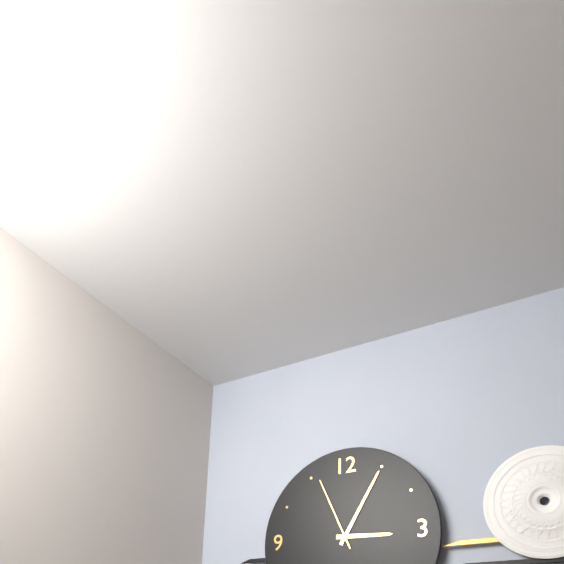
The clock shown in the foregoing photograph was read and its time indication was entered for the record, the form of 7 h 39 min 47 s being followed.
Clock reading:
3 h 05 min 56 s
